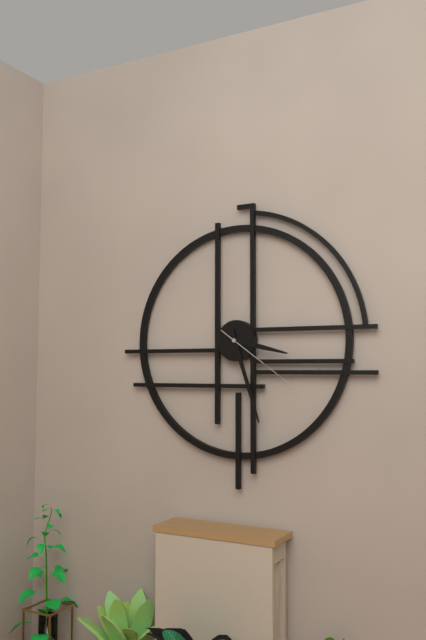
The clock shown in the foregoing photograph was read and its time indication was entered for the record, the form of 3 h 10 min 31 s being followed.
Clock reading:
3 h 27 min 21 s
